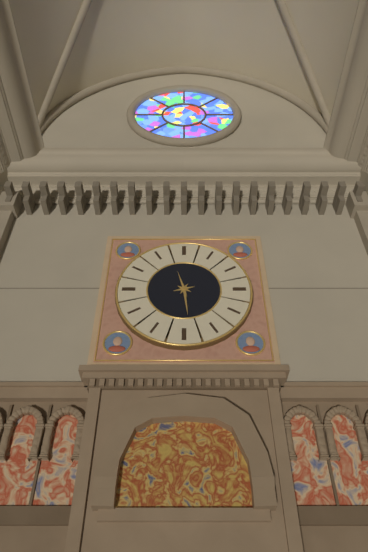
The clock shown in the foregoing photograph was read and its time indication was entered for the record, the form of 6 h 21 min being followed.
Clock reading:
11 h 29 min
